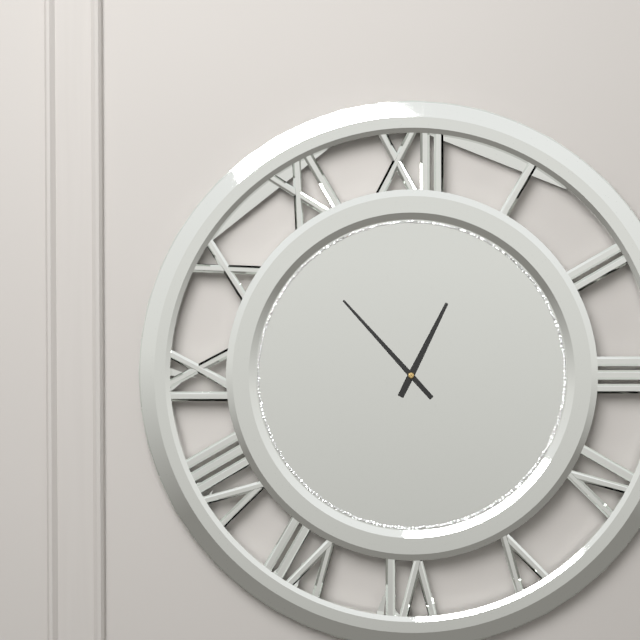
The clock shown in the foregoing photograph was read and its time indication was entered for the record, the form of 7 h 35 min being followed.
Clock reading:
12 h 53 min
